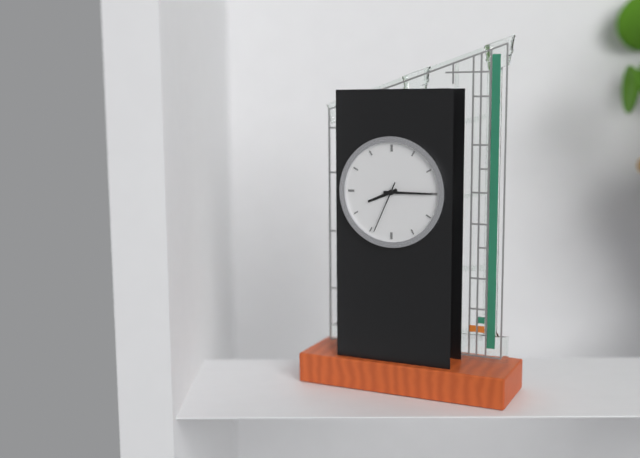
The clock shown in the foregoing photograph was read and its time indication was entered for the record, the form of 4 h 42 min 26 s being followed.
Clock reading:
8 h 15 min 34 s
